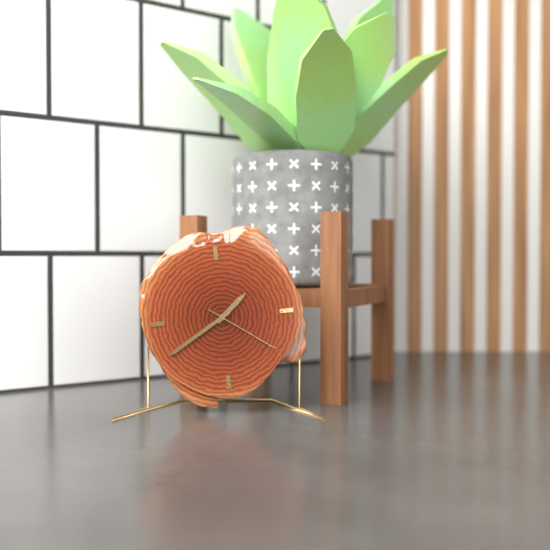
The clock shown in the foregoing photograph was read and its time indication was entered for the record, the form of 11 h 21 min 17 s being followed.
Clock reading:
1 h 40 min 21 s
